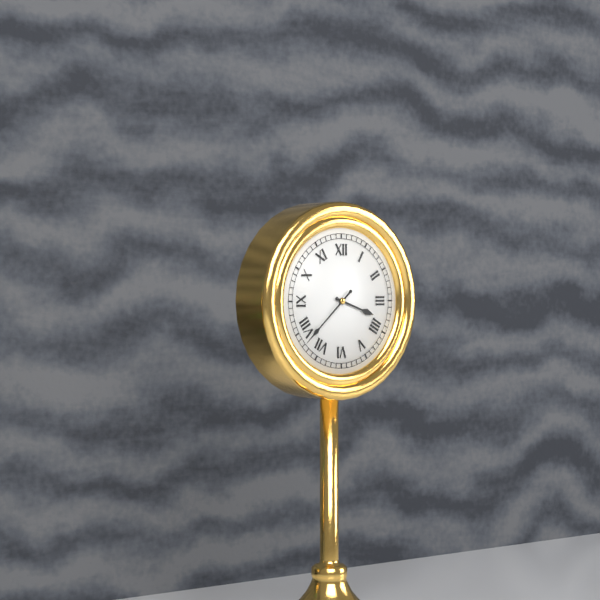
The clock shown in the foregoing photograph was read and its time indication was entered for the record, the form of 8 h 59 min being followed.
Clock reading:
3 h 38 min
